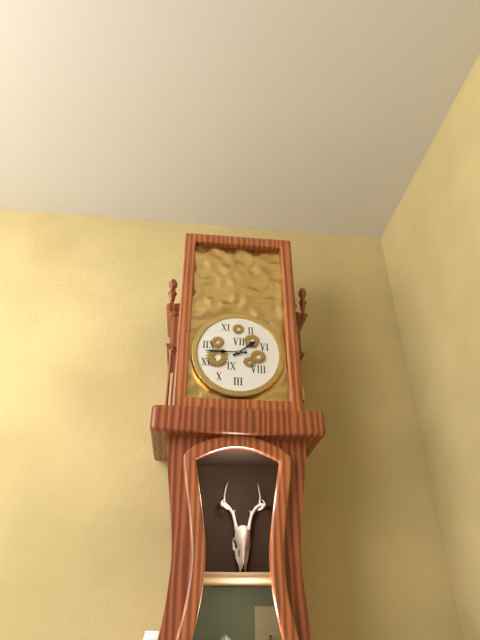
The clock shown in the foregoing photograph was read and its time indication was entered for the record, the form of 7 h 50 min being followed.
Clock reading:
1 h 45 min
